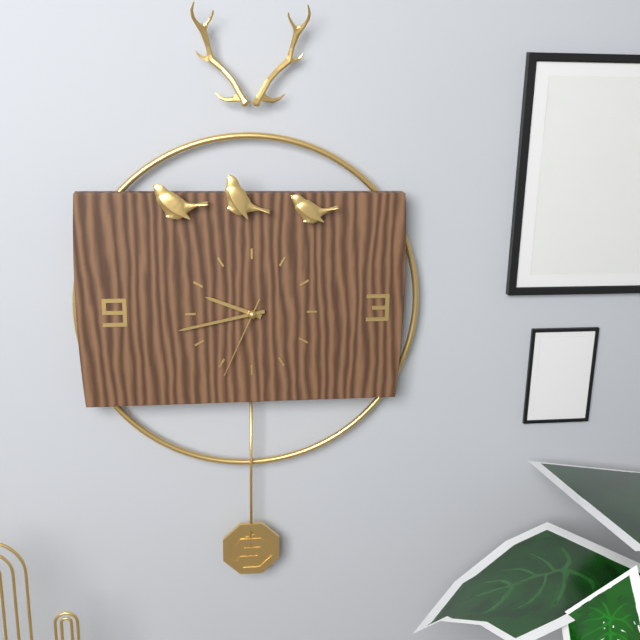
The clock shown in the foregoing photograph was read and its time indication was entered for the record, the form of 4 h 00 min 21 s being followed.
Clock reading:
9 h 43 min 34 s
